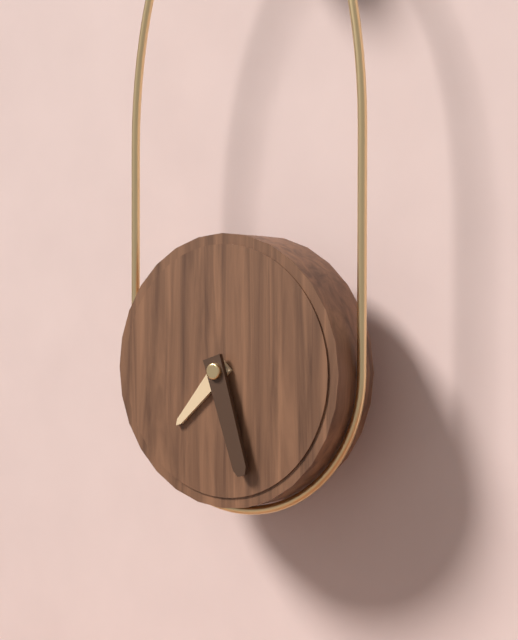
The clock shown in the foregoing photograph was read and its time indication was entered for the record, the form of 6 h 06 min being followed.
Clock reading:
7 h 27 min
